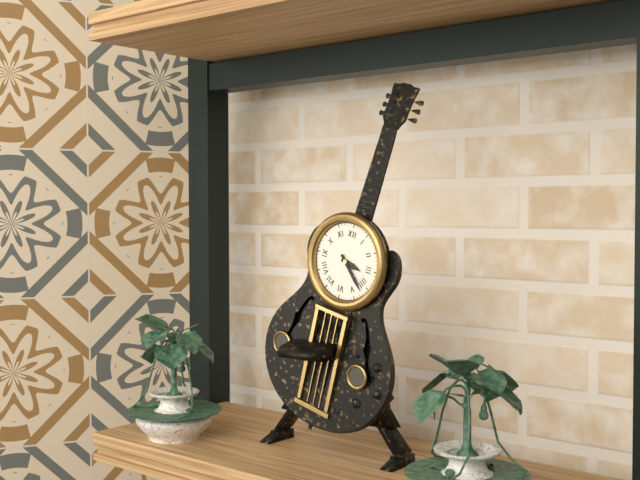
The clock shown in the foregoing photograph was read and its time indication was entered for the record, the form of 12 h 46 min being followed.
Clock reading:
3 h 22 min
